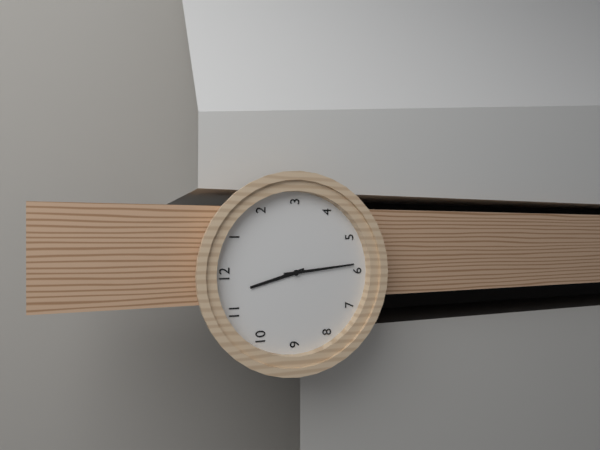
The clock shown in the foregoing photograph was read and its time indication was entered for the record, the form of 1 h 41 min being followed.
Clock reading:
11 h 29 min
